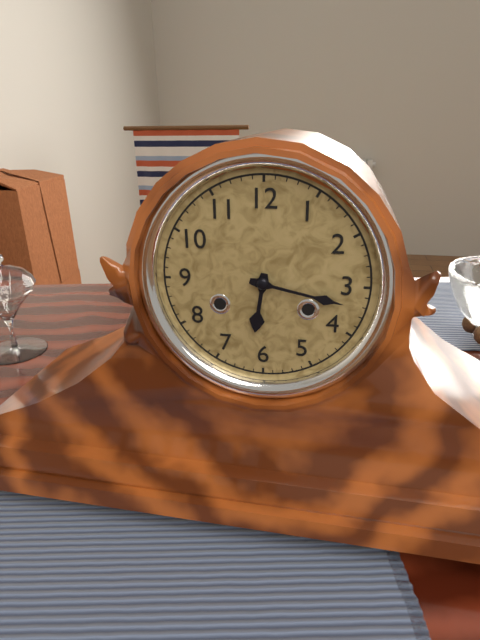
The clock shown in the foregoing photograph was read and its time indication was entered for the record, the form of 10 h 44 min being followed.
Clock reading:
6 h 17 min
